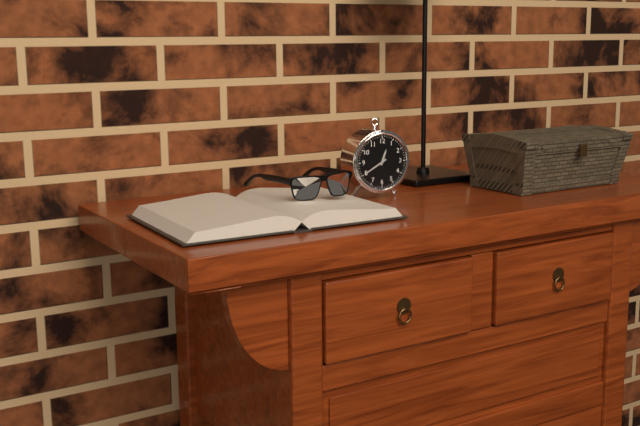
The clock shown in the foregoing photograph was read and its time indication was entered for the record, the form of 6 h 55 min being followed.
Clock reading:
12 h 40 min
